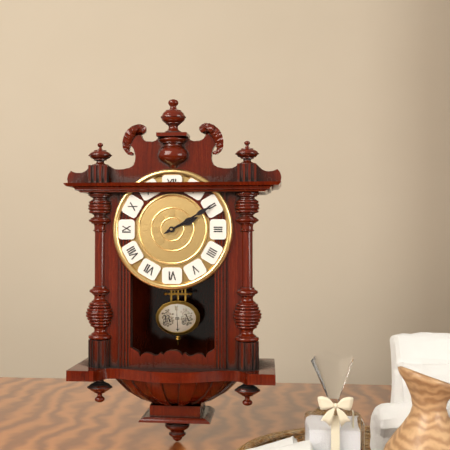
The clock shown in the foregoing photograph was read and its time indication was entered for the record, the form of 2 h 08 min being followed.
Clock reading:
2 h 10 min
